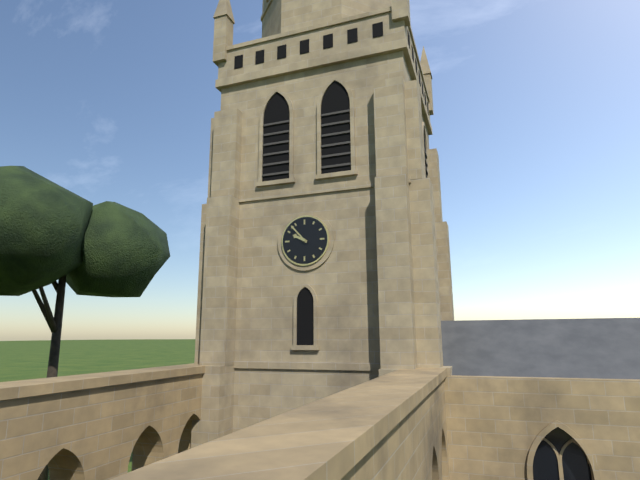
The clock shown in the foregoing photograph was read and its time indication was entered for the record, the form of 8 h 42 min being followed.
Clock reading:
9 h 53 min
